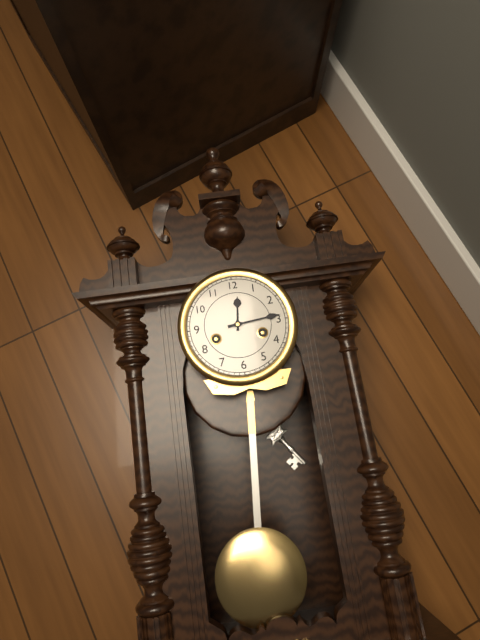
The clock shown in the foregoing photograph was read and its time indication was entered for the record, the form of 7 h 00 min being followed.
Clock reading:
12 h 14 min
